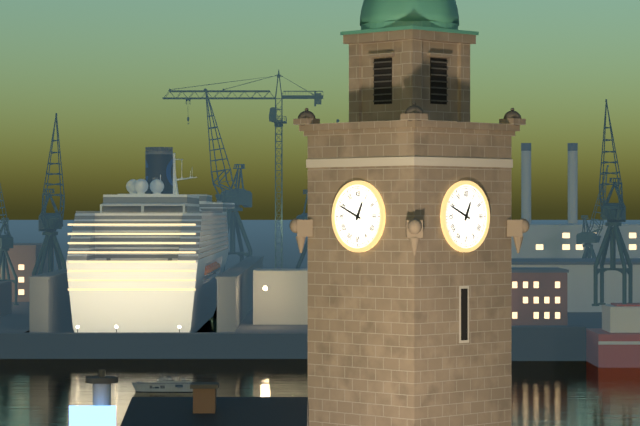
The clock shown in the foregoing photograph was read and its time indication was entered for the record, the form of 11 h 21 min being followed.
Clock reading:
12 h 49 min
